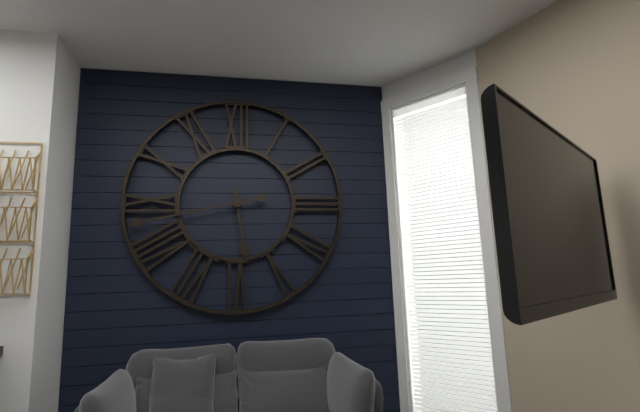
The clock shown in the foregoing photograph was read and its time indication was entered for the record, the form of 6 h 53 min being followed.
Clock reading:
5 h 43 min
